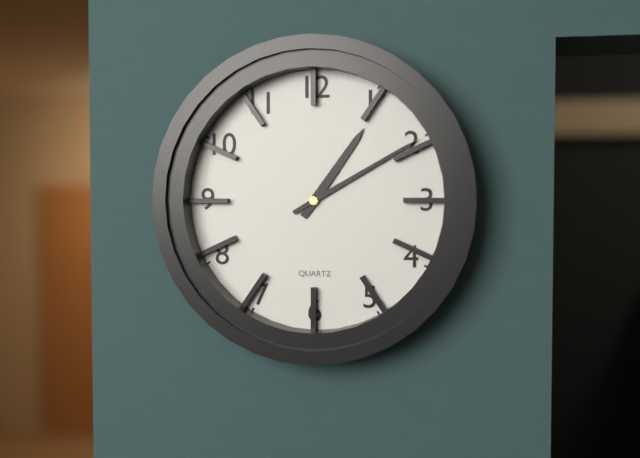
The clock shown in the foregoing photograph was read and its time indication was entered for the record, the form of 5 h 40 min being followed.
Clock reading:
1 h 10 min
